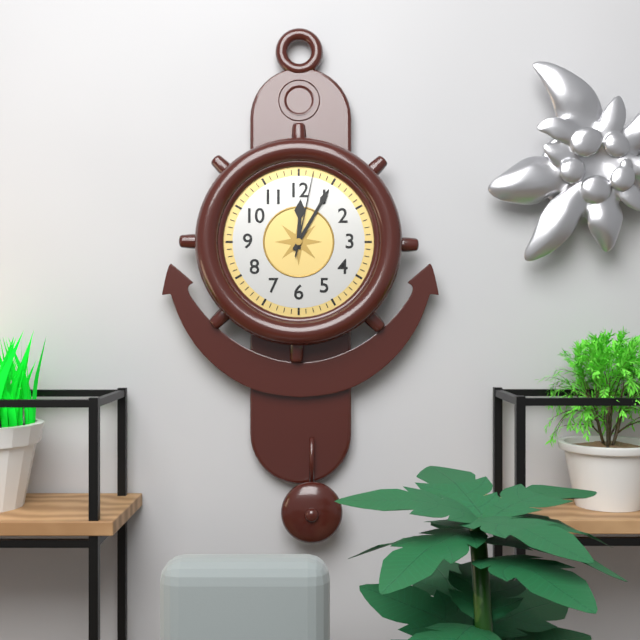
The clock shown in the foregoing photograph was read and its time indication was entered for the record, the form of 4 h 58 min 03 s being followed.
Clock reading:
12 h 05 min 02 s
